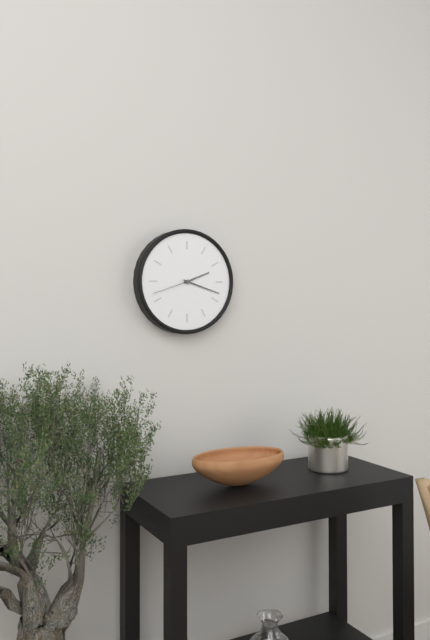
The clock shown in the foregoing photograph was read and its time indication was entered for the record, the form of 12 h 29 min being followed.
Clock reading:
2 h 18 min
